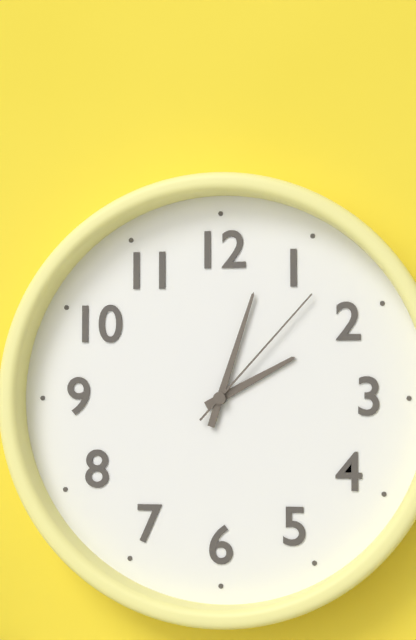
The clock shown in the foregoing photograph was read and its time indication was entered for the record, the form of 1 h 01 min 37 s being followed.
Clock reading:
2 h 03 min 07 s
